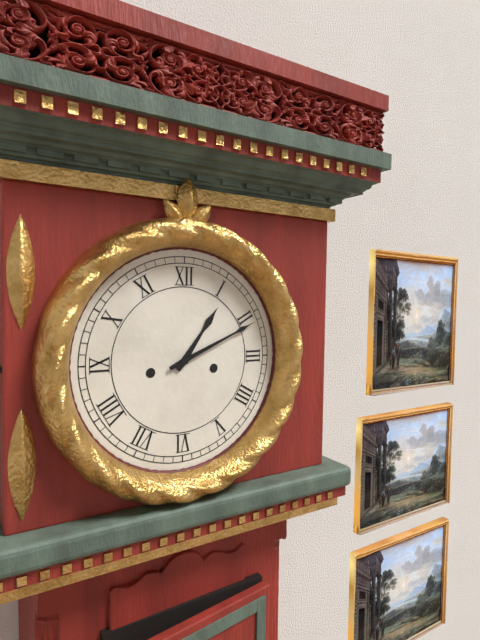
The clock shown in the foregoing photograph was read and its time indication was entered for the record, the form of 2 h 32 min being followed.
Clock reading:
1 h 11 min
